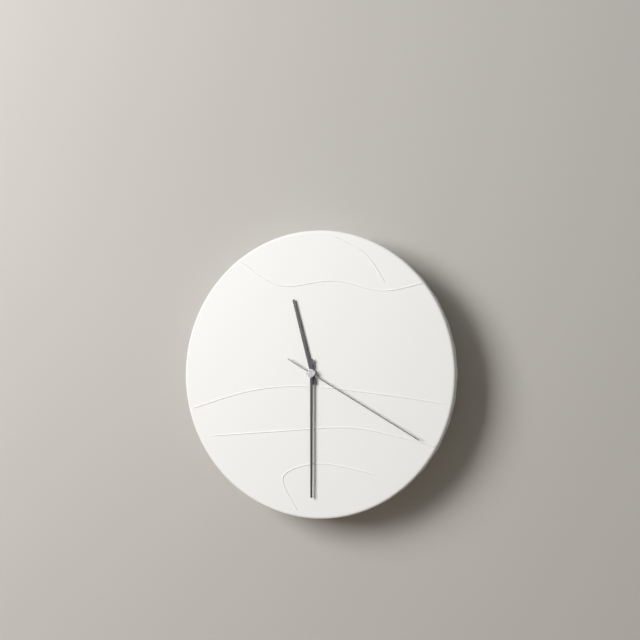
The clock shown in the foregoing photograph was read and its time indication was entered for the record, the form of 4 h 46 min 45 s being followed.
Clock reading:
11 h 30 min 20 s
